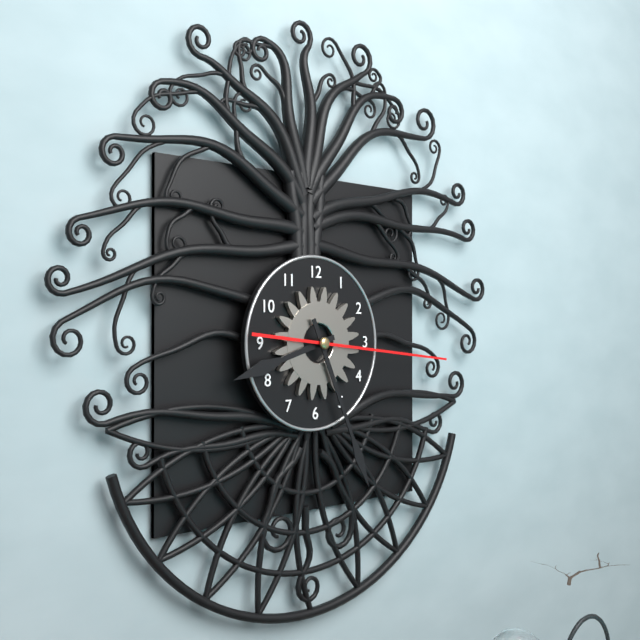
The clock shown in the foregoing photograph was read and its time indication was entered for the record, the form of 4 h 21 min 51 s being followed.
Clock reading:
8 h 26 min 16 s
